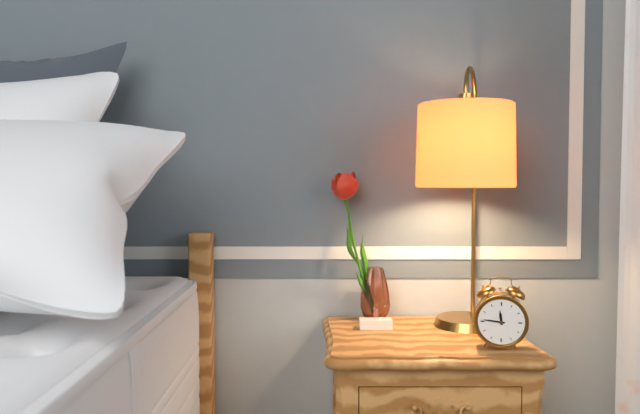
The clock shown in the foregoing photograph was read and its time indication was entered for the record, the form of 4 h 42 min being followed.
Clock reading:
11 h 46 min
